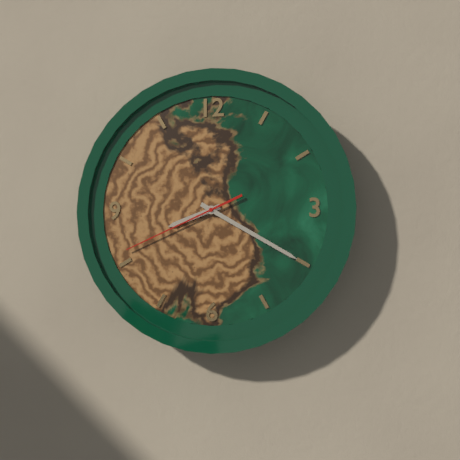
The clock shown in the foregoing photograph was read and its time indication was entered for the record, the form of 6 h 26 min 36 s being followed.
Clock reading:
8 h 20 min 41 s
